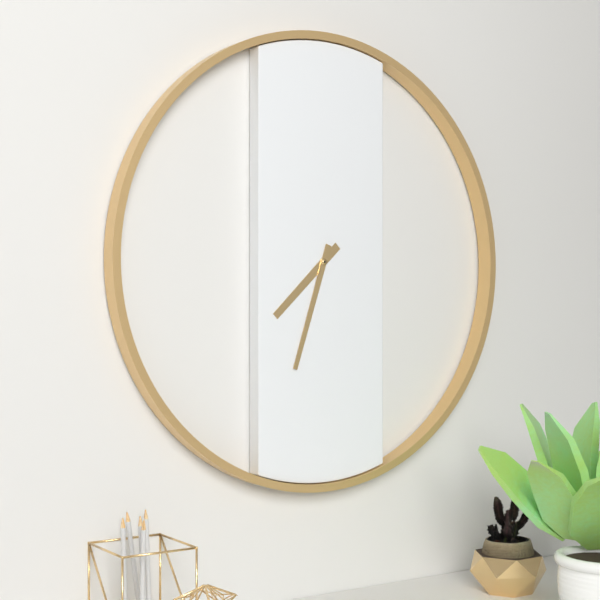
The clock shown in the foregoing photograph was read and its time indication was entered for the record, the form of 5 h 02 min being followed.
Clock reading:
7 h 33 min
